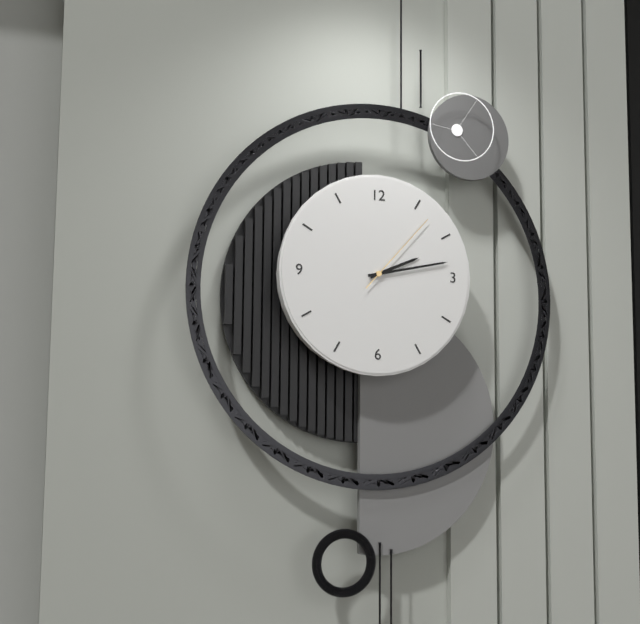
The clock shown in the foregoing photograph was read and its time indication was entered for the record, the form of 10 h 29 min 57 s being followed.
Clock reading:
2 h 13 min 07 s
